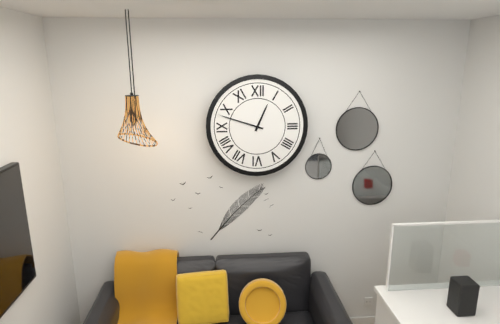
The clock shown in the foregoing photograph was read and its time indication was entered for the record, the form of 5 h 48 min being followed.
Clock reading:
12 h 48 min
